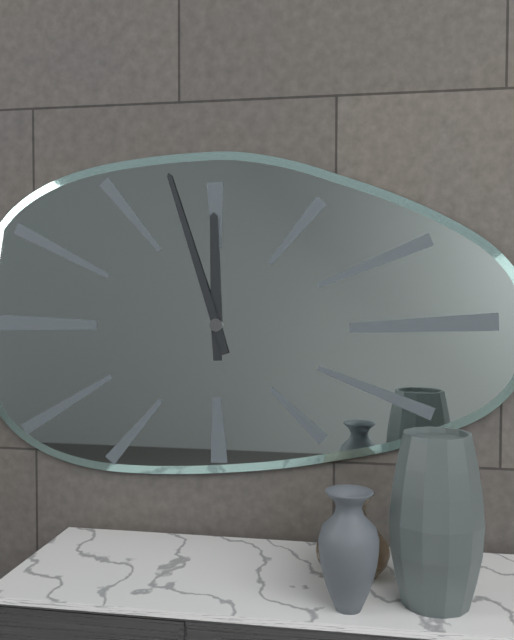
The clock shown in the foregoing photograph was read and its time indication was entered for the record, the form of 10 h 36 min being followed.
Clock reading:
11 h 57 min
